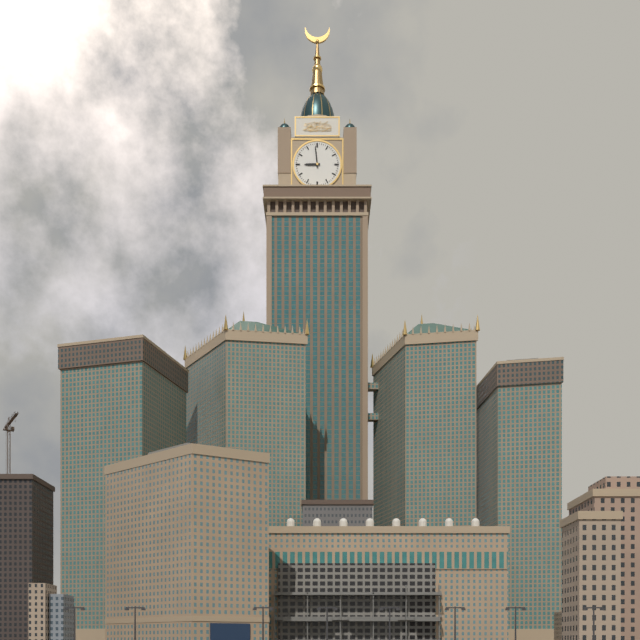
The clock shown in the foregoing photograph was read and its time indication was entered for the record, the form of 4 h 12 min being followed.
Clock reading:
8 h 59 min
